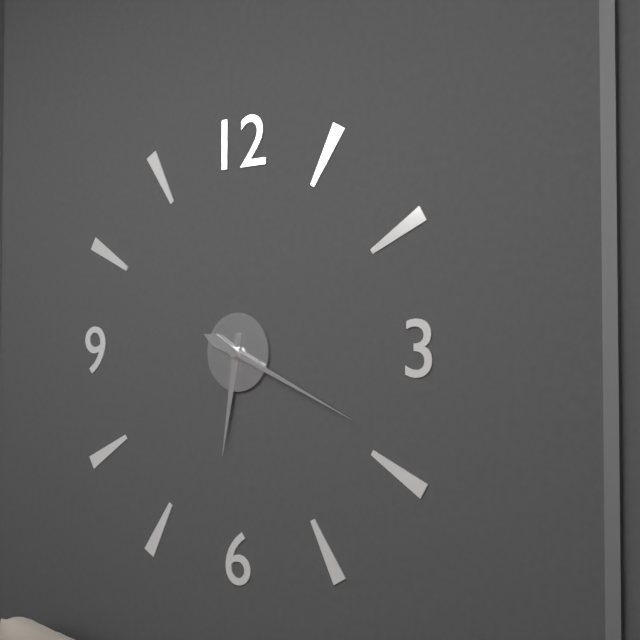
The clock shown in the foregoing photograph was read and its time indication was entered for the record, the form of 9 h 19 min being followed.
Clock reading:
6 h 19 min
